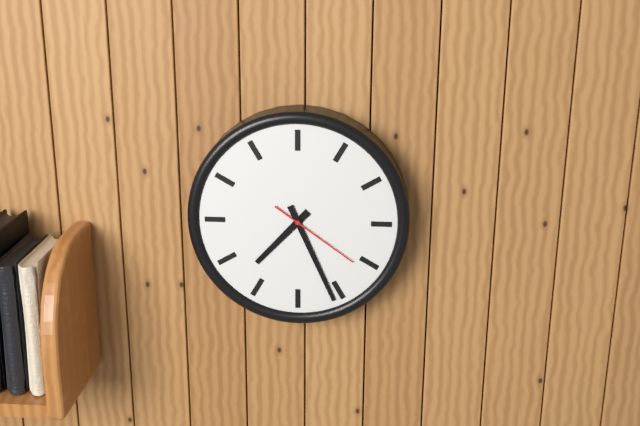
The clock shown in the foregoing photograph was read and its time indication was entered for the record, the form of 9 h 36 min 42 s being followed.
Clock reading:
7 h 26 min 21 s
